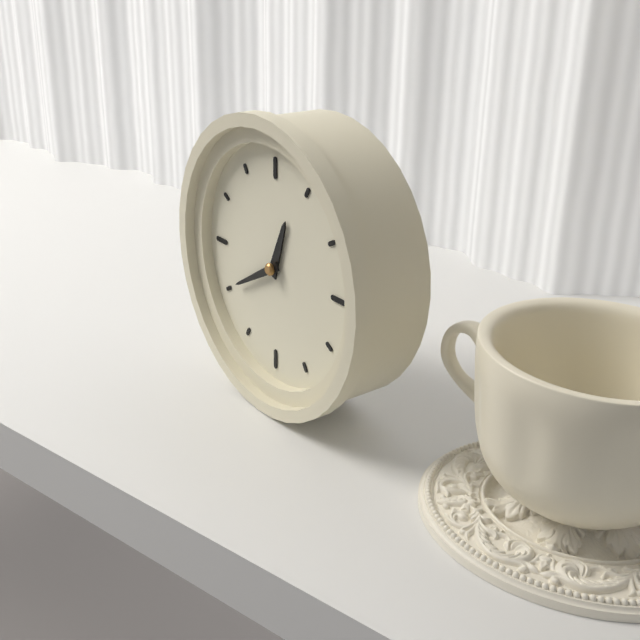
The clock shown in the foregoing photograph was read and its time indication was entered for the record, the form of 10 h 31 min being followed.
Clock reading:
12 h 40 min
